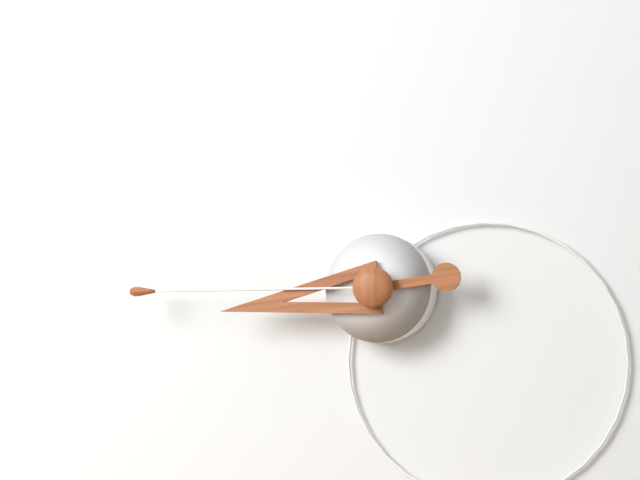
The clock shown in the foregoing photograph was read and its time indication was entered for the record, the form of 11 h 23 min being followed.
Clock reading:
8 h 45 min
